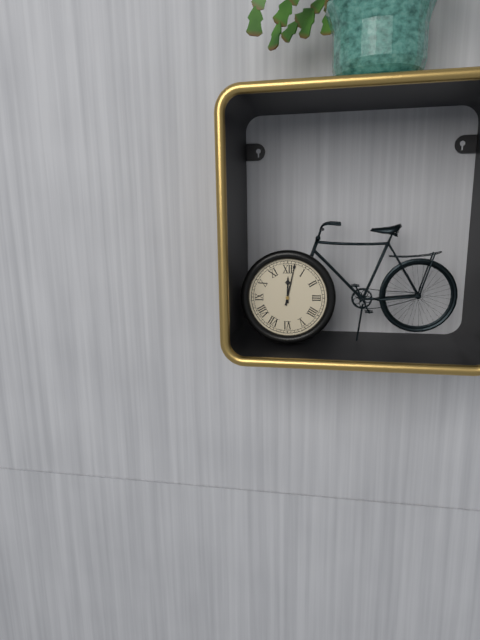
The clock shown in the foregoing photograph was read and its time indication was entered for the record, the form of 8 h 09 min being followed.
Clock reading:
12 h 02 min
